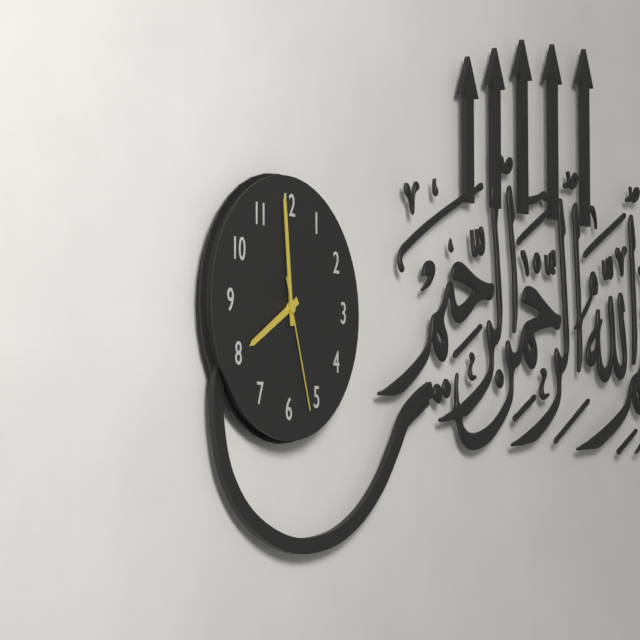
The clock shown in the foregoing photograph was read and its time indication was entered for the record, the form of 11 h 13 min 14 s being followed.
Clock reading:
7 h 59 min 27 s
